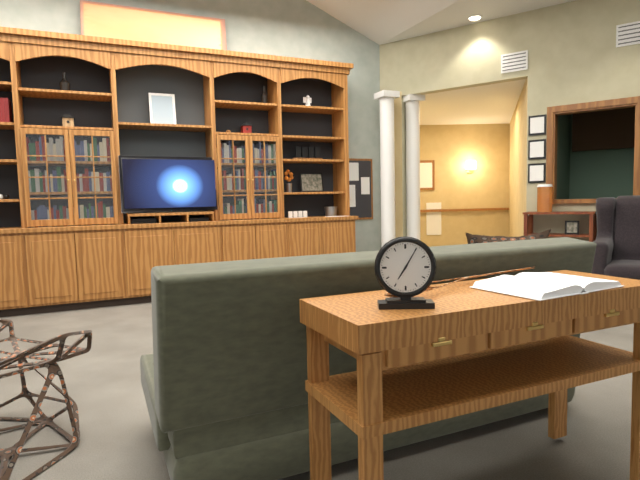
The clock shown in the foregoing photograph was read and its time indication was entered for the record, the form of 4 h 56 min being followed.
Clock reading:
7 h 05 min
